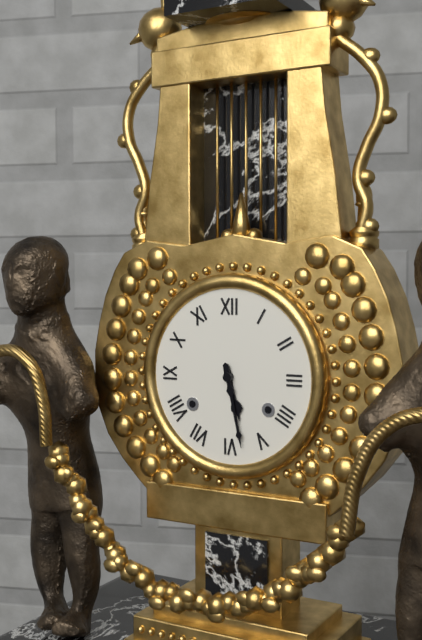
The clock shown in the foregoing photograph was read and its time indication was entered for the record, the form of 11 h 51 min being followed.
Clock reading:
5 h 28 min
